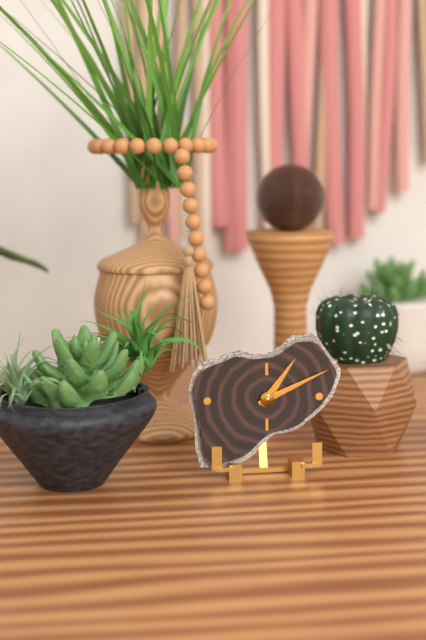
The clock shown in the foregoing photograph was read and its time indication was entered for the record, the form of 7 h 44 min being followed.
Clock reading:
1 h 11 min
